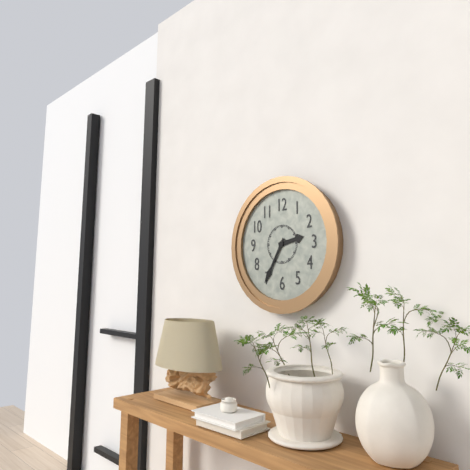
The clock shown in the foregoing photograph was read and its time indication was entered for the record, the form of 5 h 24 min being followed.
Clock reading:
2 h 35 min
